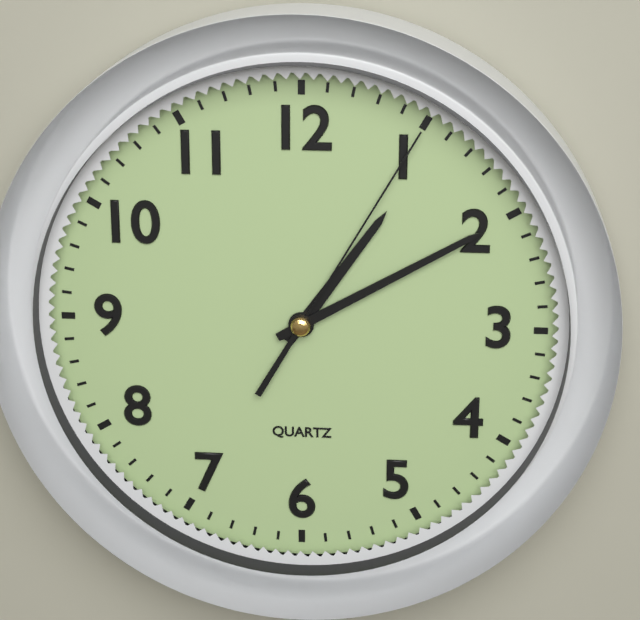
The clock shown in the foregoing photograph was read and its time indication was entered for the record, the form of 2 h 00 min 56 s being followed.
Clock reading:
1 h 10 min 05 s
